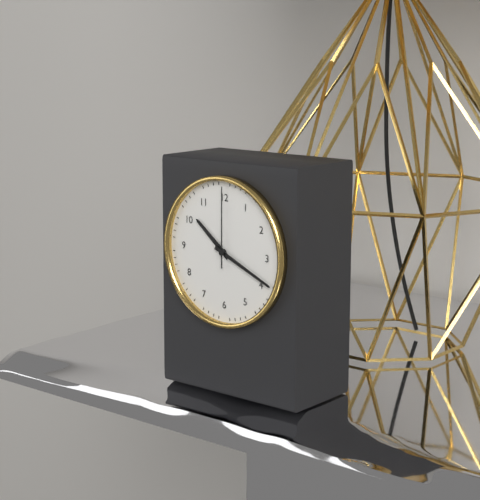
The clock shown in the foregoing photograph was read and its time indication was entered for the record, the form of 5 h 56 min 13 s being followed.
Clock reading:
10 h 19 min 00 s
